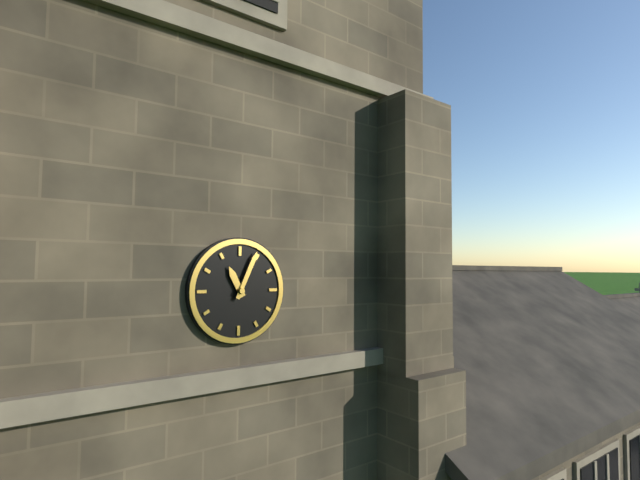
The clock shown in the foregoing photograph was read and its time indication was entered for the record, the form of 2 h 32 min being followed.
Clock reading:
11 h 04 min
